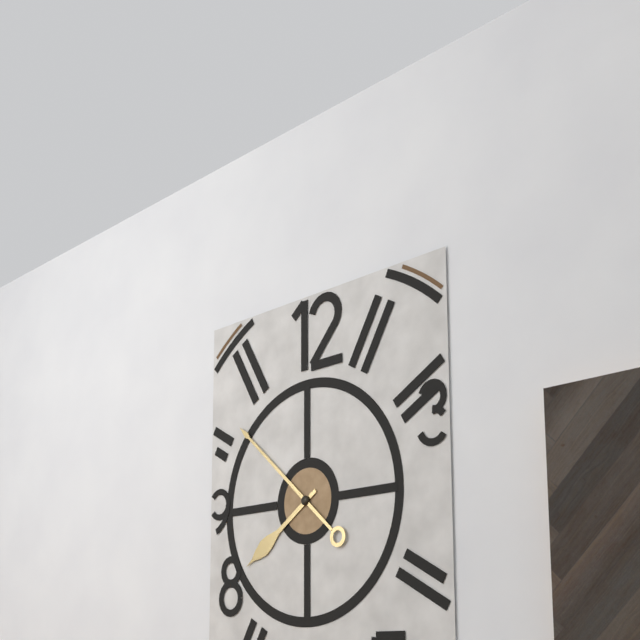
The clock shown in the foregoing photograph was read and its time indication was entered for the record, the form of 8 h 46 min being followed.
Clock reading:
7 h 52 min
